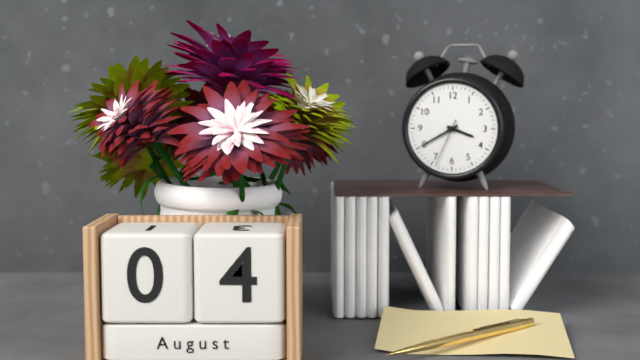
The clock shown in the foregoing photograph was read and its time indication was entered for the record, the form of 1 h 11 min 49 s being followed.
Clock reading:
3 h 40 min 34 s
